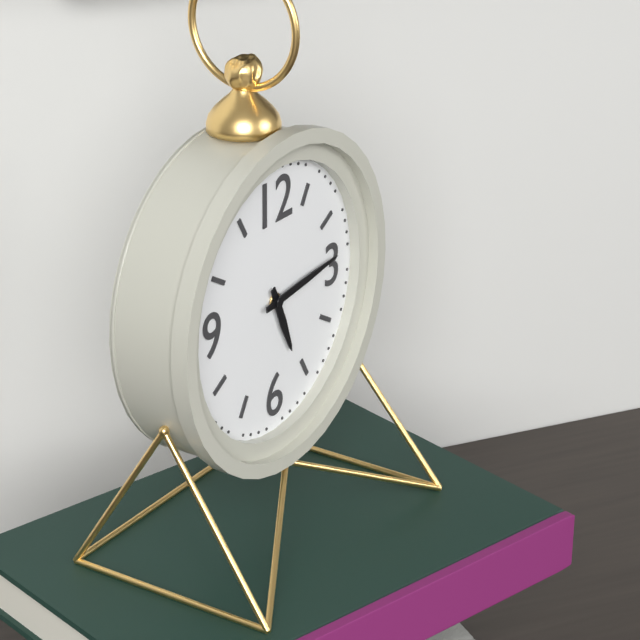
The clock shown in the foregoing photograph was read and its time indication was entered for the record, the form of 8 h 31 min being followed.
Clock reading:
5 h 14 min
